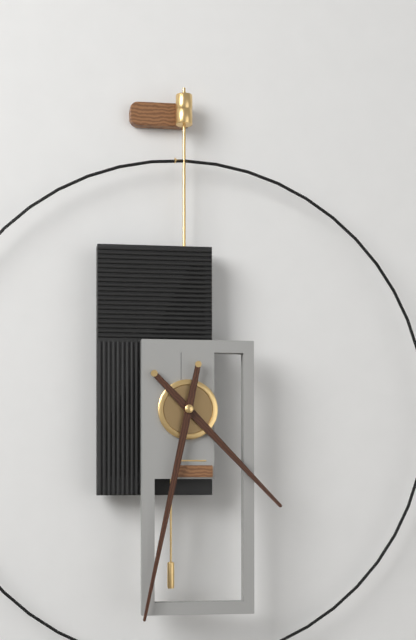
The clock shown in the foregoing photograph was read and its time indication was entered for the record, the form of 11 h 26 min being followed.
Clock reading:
4 h 32 min
